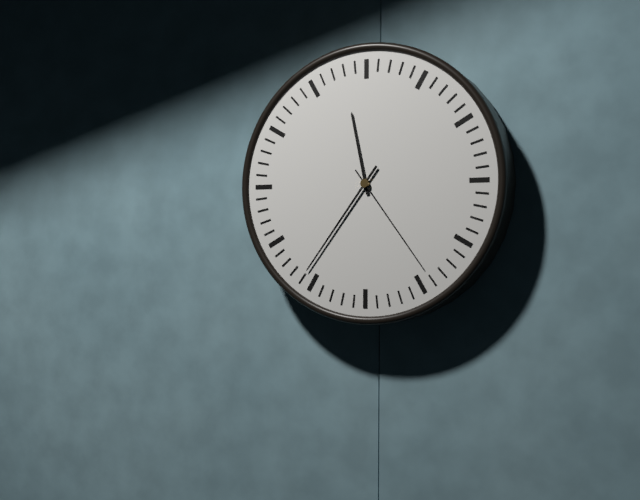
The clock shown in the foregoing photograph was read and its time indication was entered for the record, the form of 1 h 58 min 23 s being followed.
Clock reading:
11 h 36 min 24 s
